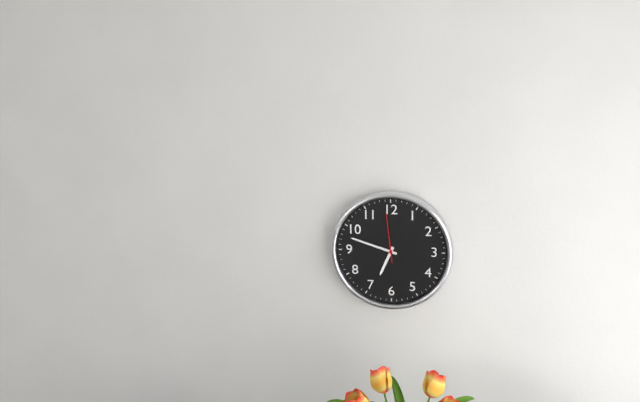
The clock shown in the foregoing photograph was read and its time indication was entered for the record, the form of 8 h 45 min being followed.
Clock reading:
6 h 48 min
